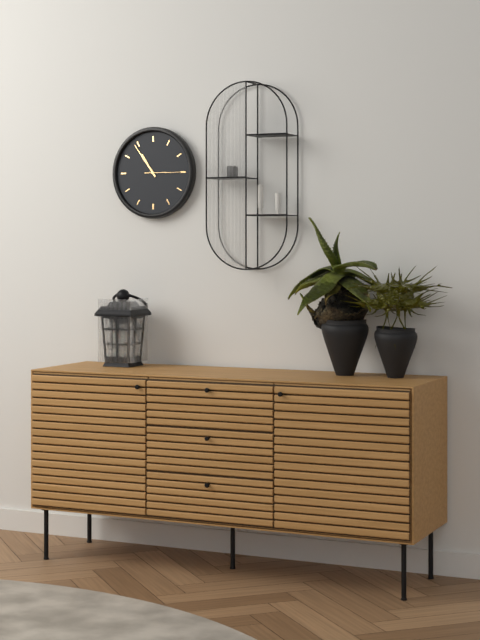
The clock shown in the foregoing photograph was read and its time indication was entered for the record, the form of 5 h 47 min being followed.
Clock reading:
10 h 54 min
